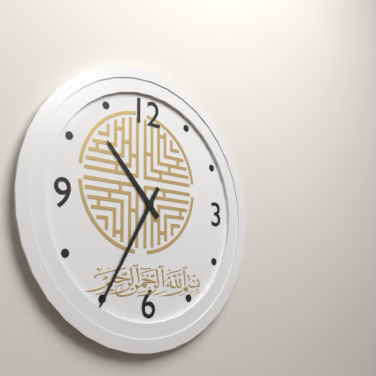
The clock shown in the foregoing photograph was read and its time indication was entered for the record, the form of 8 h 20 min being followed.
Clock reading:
10 h 35 min
